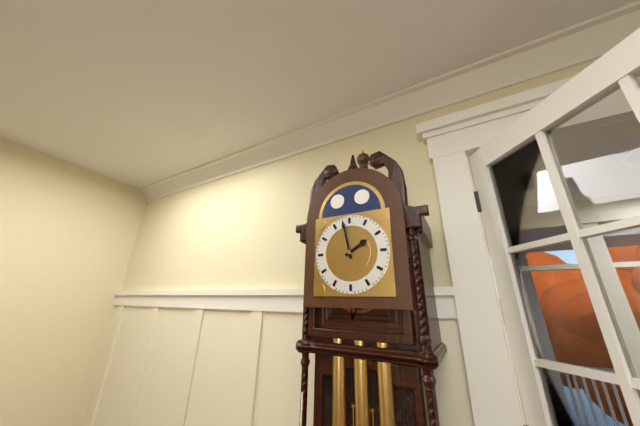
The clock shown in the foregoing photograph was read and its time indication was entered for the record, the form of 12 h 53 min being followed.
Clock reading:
1 h 58 min
